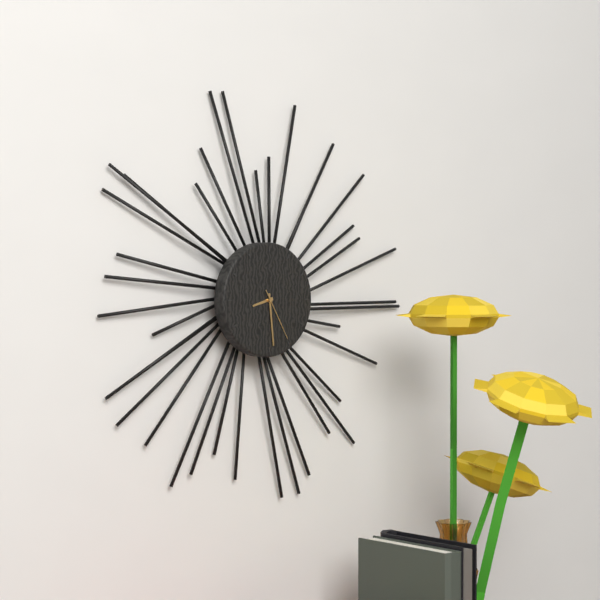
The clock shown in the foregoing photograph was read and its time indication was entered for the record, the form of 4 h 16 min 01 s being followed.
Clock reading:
8 h 29 min 25 s
